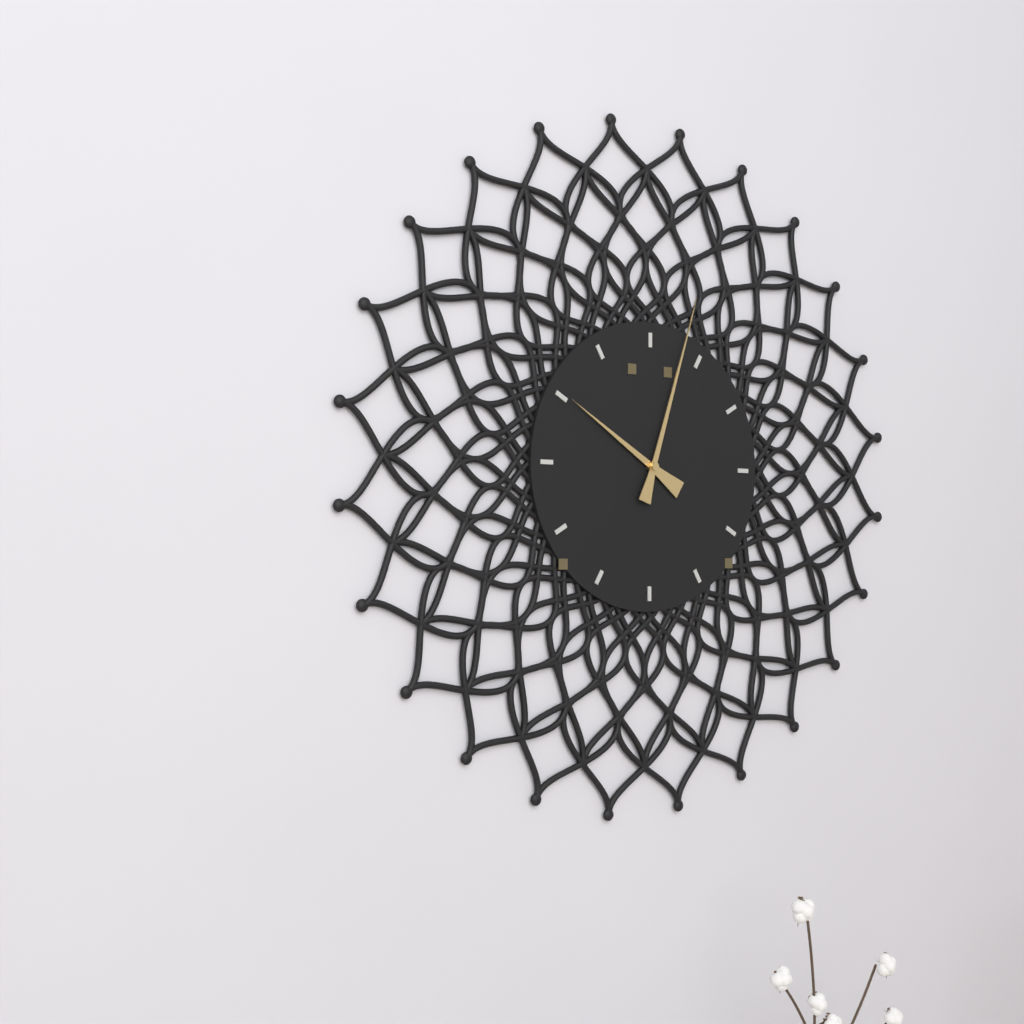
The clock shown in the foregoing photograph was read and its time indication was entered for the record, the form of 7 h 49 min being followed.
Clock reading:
10 h 03 min
